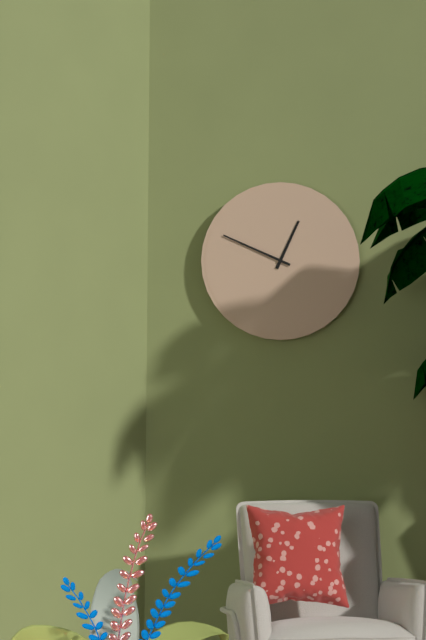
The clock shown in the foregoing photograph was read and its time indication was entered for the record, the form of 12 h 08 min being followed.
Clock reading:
12 h 49 min
